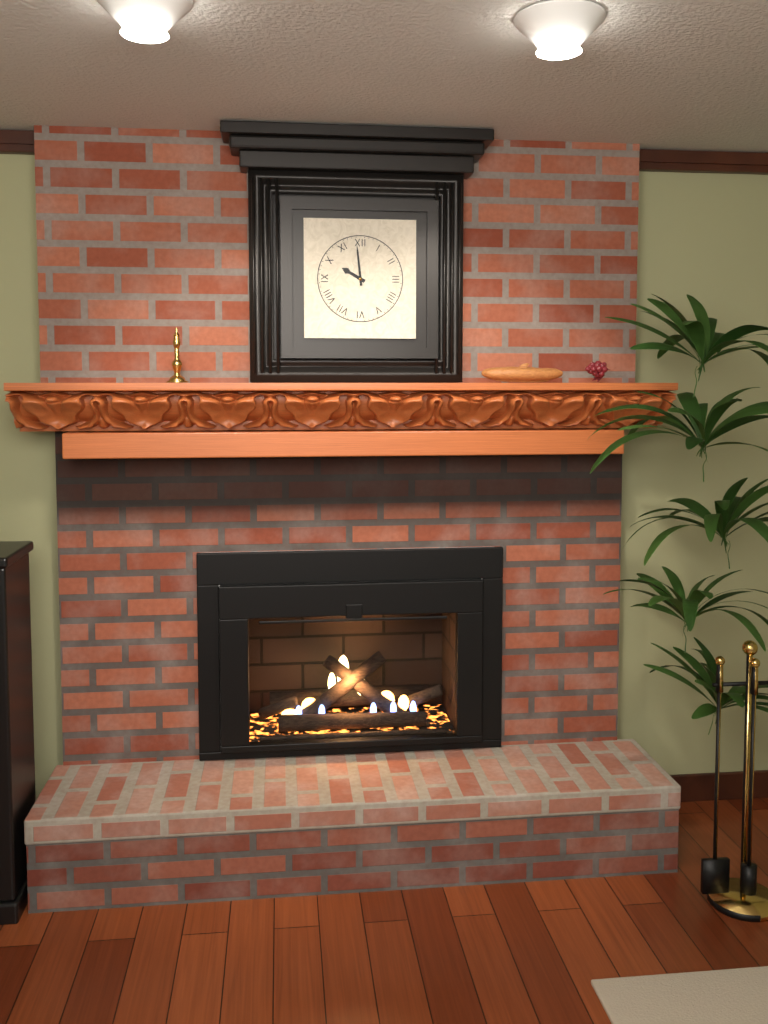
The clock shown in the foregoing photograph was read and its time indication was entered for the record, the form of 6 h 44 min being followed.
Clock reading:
9 h 59 min
